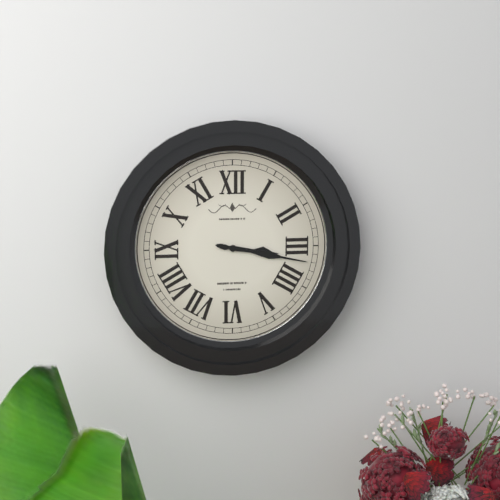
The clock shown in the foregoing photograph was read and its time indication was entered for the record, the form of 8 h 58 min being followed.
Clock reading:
3 h 17 min
